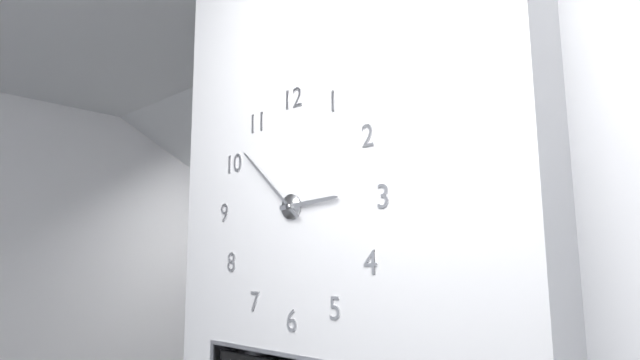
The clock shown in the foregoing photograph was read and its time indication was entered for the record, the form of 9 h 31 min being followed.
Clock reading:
2 h 52 min
